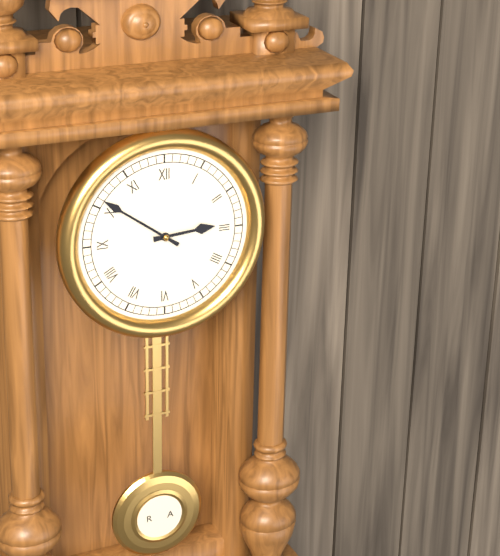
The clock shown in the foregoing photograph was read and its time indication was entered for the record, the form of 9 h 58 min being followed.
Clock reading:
2 h 51 min
